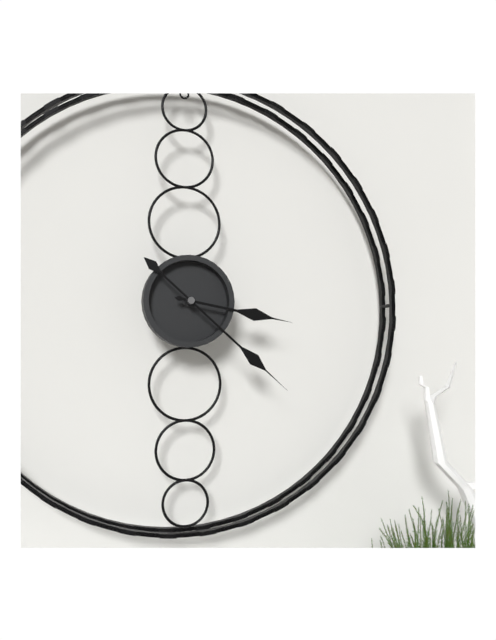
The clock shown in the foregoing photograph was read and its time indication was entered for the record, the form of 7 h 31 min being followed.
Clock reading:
3 h 22 min
